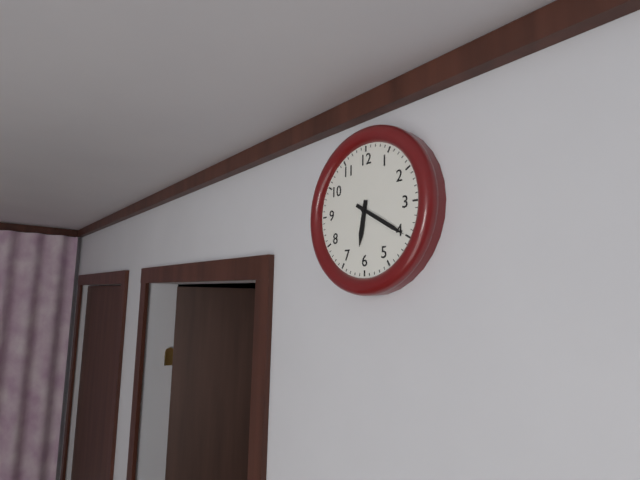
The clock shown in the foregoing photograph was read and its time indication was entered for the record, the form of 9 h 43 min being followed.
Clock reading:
6 h 20 min
